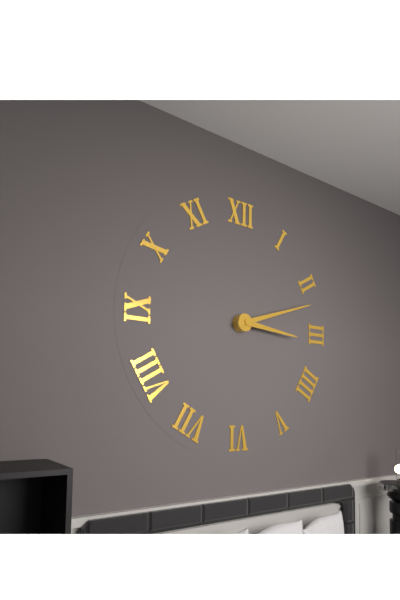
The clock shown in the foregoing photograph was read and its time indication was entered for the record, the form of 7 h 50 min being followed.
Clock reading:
3 h 12 min
